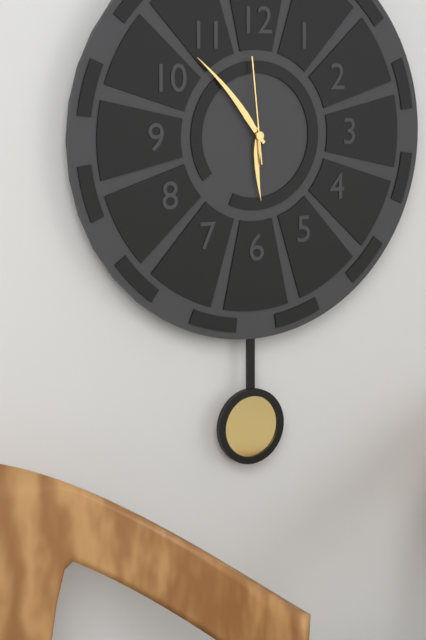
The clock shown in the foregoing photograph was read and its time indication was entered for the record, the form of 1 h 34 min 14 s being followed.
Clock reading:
5 h 53 min 59 s
